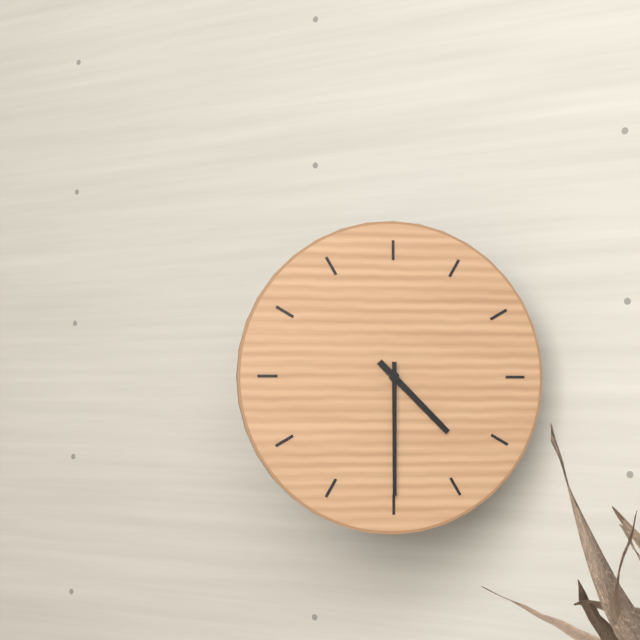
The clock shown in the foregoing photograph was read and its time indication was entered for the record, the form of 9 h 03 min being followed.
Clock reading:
4 h 30 min
